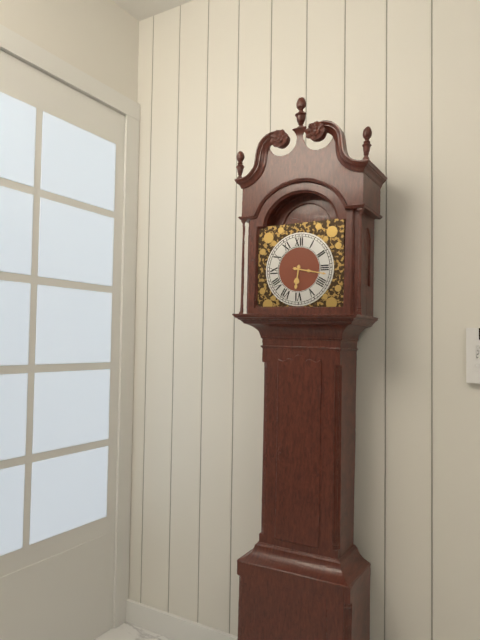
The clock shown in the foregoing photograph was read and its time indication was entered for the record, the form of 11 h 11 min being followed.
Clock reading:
6 h 17 min
